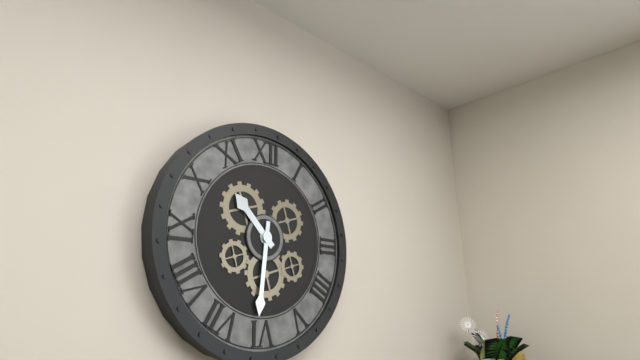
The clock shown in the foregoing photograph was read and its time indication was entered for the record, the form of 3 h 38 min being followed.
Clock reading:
10 h 31 min
